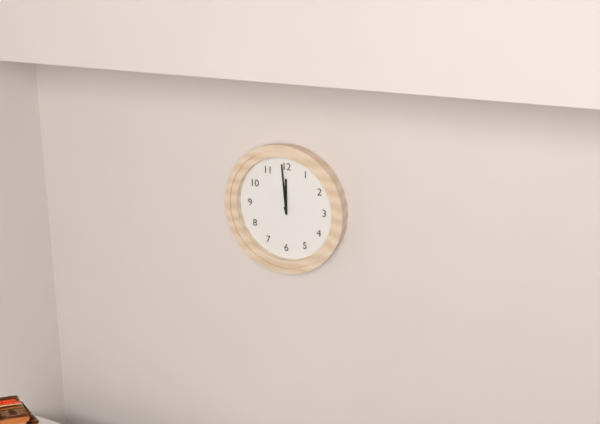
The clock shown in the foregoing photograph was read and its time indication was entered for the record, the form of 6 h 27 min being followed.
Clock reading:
11 h 59 min
